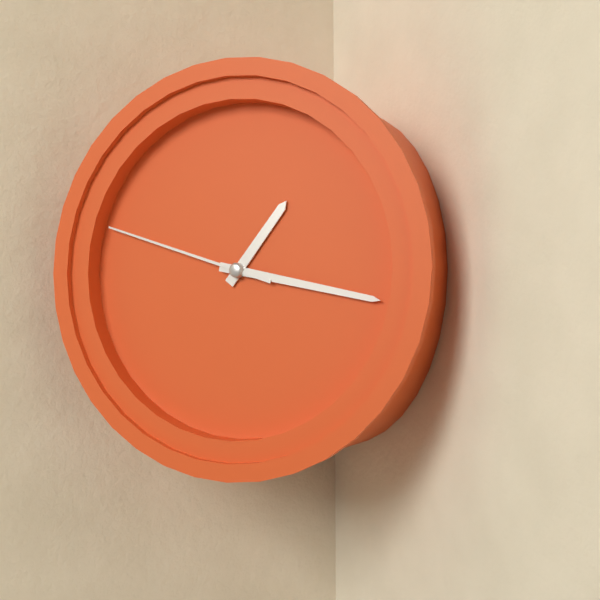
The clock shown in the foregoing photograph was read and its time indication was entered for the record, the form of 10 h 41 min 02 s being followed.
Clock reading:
1 h 17 min 48 s
